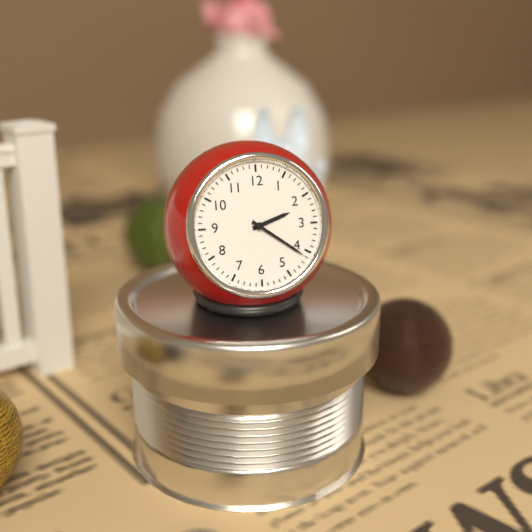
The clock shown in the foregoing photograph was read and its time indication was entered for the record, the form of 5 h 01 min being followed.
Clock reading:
2 h 21 min
